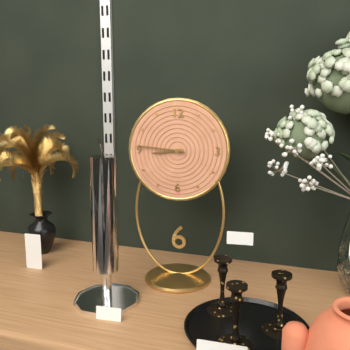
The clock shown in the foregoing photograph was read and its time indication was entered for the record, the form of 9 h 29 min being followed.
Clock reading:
8 h 46 min
